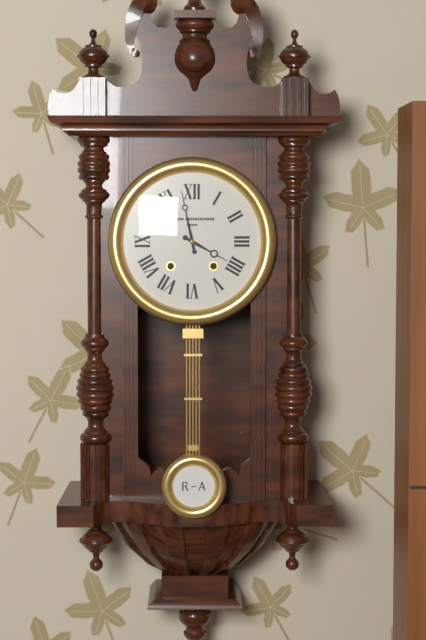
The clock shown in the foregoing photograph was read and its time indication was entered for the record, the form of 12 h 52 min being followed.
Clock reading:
3 h 58 min
